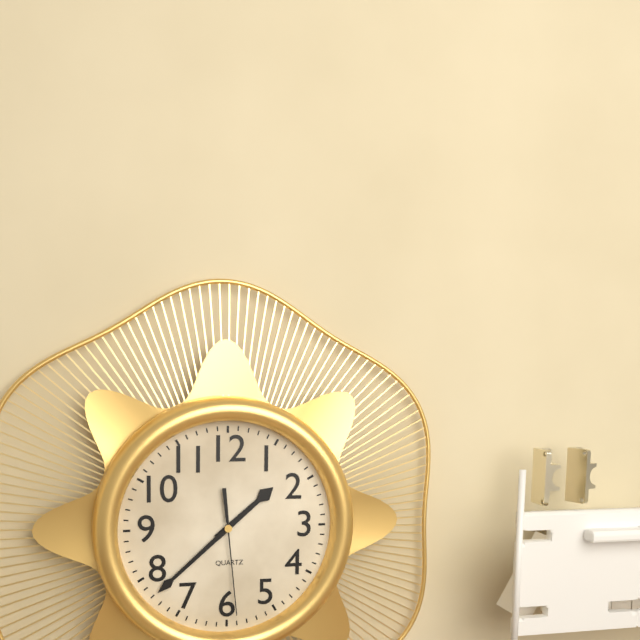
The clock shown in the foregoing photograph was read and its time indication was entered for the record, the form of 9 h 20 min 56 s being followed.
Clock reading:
1 h 38 min 29 s
